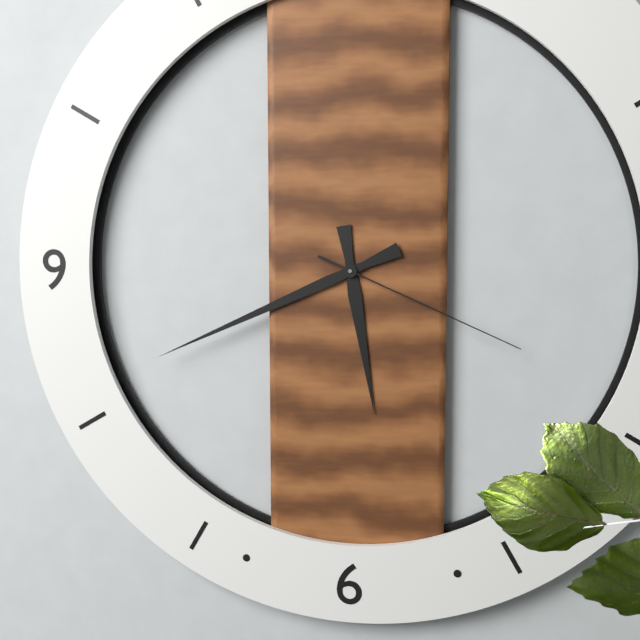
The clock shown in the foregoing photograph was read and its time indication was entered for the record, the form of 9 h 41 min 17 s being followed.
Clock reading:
5 h 41 min 19 s
